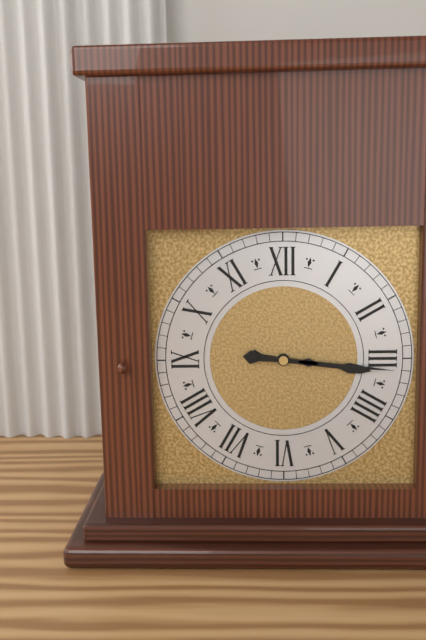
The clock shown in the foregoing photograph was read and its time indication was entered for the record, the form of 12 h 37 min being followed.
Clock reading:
3 h 16 min
